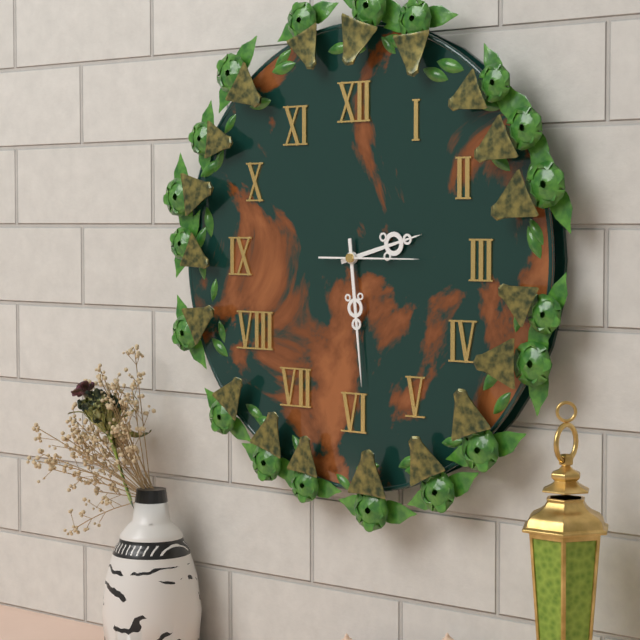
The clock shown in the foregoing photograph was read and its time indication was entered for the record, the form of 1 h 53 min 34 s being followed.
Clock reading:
2 h 29 min 15 s
